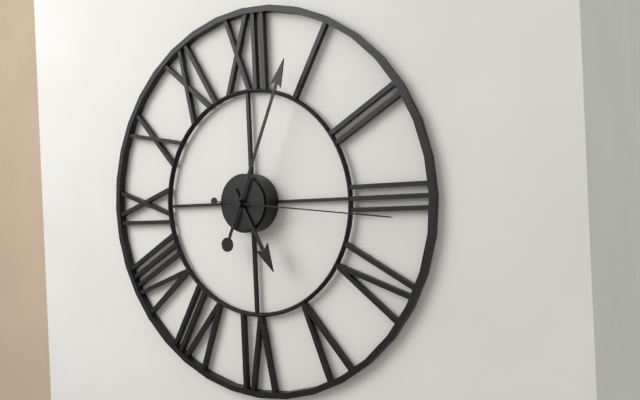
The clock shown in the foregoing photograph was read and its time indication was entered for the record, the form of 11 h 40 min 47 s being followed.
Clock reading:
5 h 04 min 16 s
